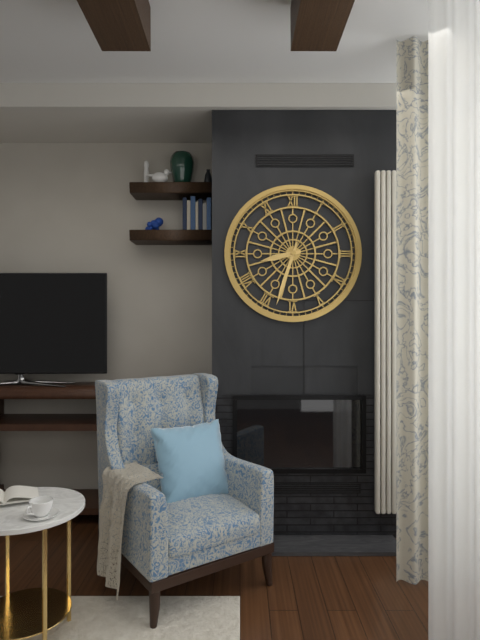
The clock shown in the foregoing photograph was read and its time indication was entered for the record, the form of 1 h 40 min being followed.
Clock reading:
8 h 33 min
